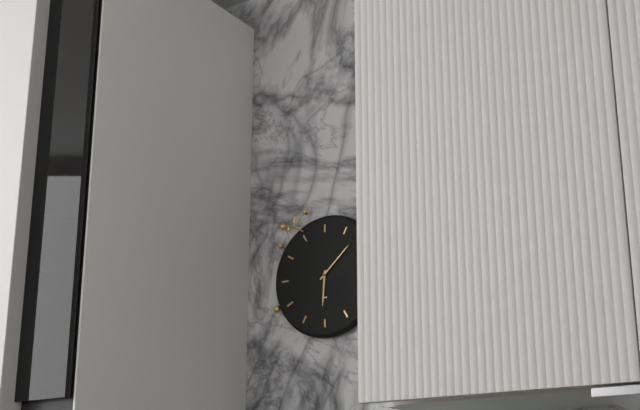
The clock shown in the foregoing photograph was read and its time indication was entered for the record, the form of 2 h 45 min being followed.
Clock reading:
6 h 08 min
